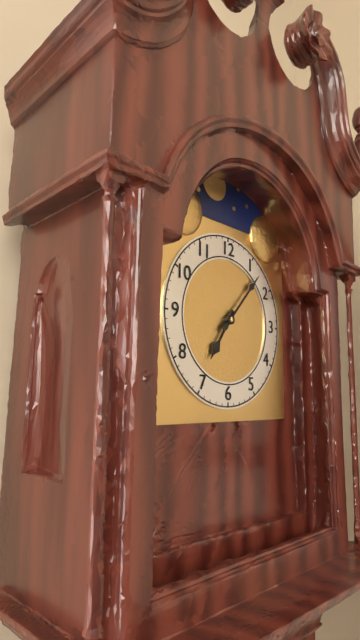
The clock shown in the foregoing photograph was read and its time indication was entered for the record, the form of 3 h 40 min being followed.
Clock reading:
7 h 07 min
